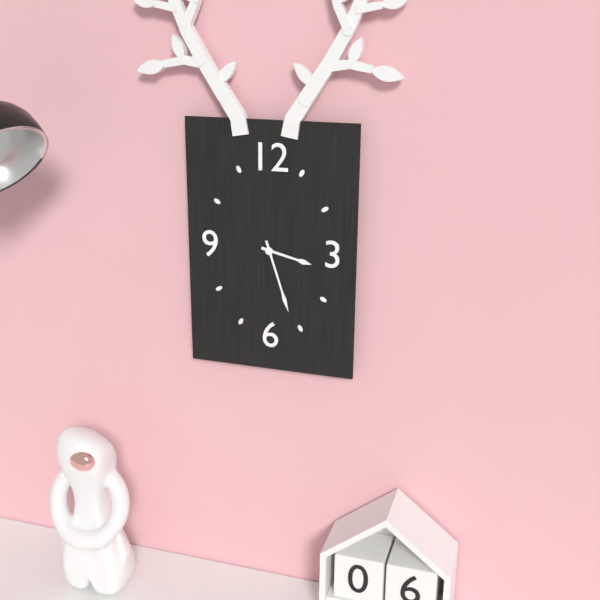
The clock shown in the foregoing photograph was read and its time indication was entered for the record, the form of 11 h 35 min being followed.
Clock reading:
3 h 27 min
